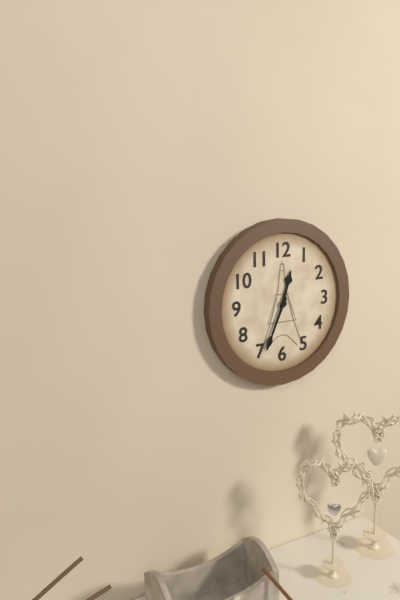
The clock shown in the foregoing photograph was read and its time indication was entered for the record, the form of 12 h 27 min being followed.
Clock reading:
12 h 34 min
